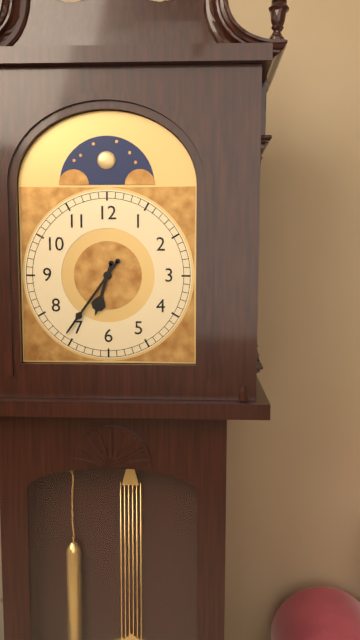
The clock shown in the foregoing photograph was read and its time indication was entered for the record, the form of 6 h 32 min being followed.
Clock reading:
6 h 36 min
